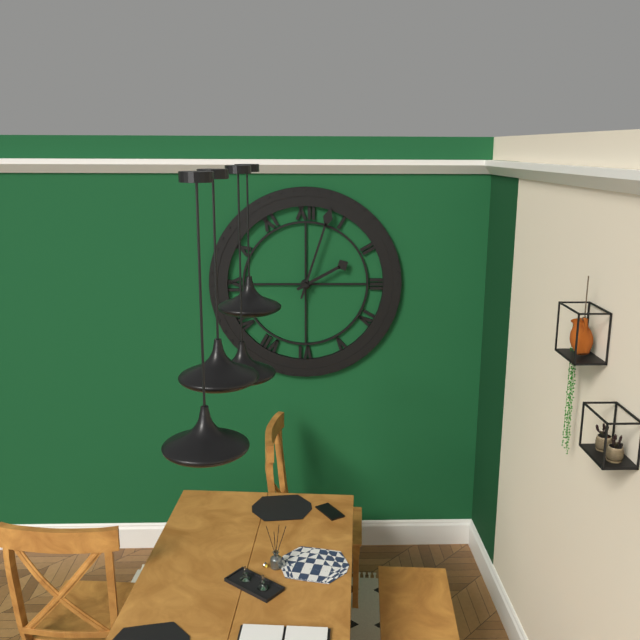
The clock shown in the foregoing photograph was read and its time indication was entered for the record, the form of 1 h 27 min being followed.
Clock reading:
2 h 03 min
